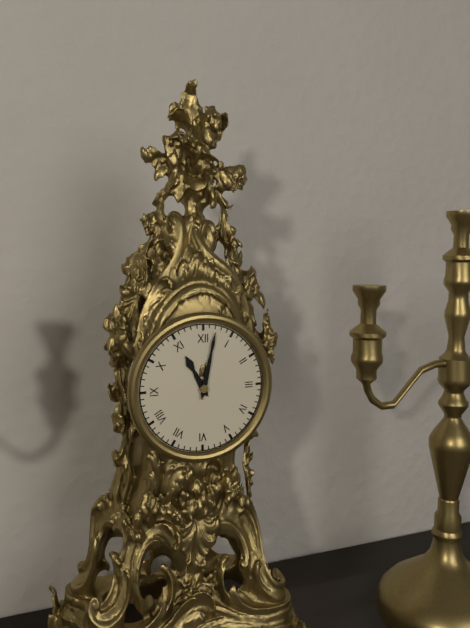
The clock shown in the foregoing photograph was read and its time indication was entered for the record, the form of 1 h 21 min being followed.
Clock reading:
11 h 02 min
